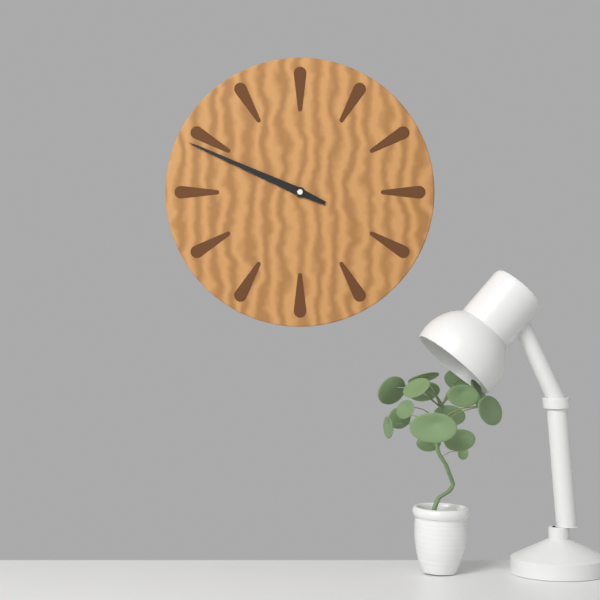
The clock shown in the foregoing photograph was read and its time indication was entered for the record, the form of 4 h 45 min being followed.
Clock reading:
9 h 49 min
